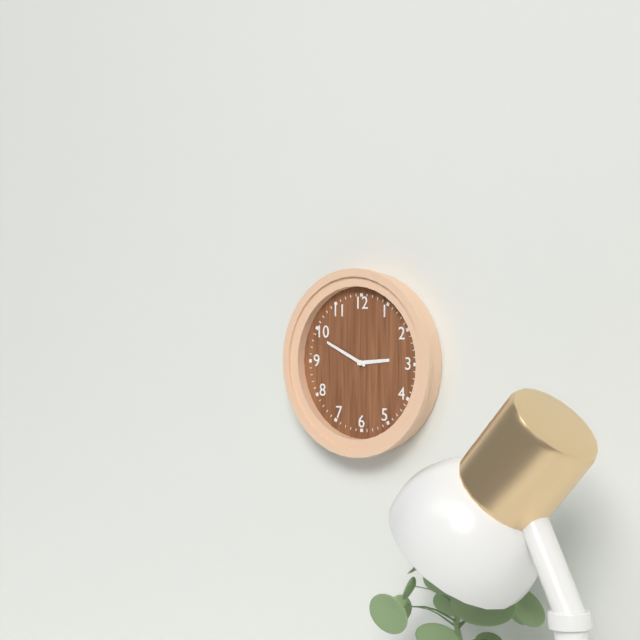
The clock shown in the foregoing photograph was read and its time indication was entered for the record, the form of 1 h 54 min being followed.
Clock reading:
2 h 49 min
